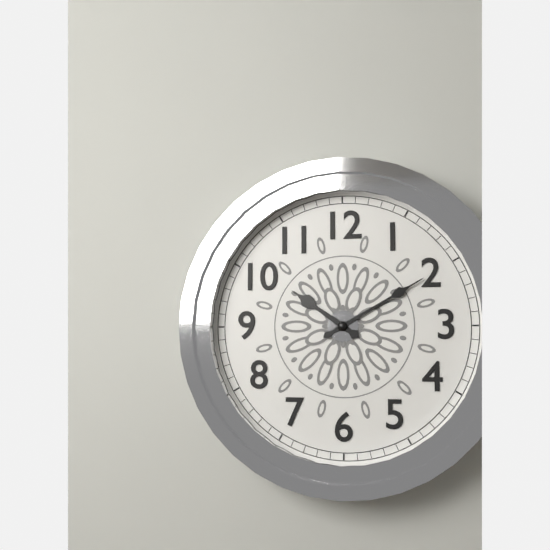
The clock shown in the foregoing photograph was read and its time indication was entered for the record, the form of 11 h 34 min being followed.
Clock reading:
10 h 10 min
